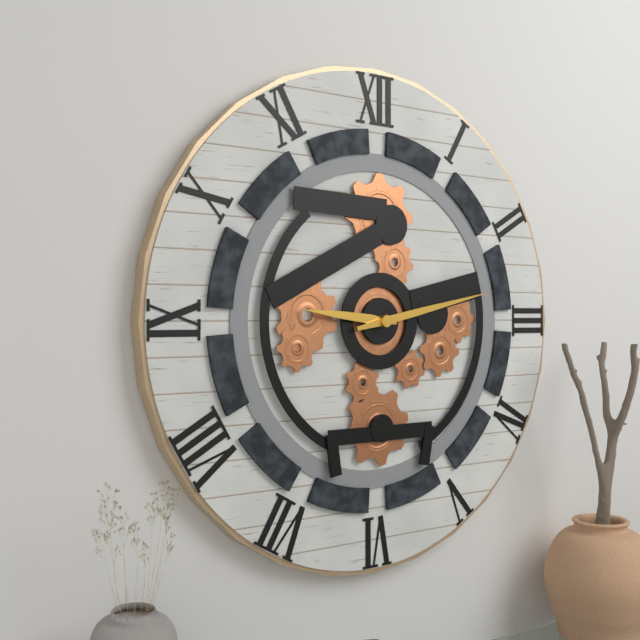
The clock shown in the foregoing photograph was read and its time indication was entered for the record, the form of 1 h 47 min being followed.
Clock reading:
9 h 13 min
